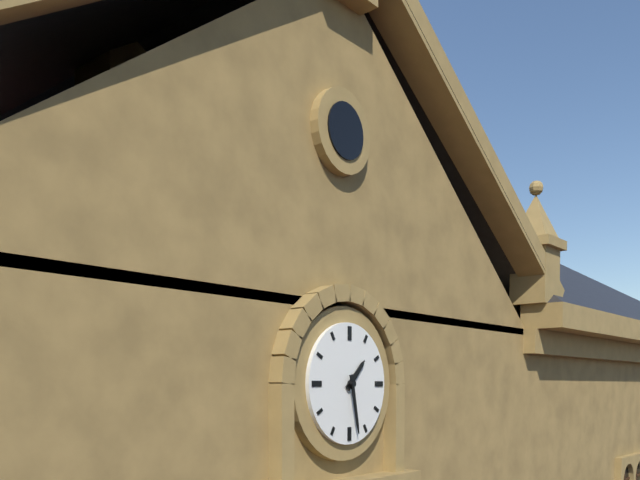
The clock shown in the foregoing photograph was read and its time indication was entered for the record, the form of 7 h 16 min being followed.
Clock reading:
1 h 28 min
